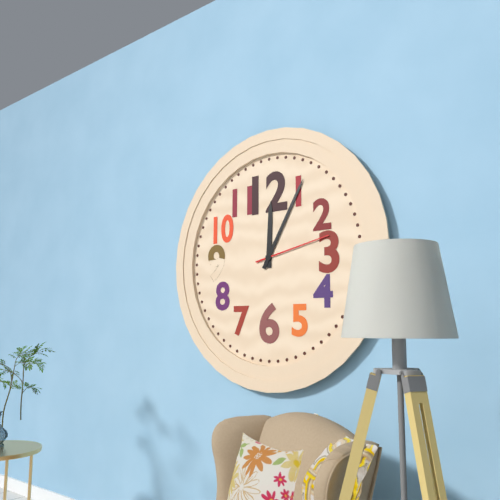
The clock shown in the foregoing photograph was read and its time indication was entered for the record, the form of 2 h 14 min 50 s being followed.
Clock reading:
12 h 05 min 13 s
